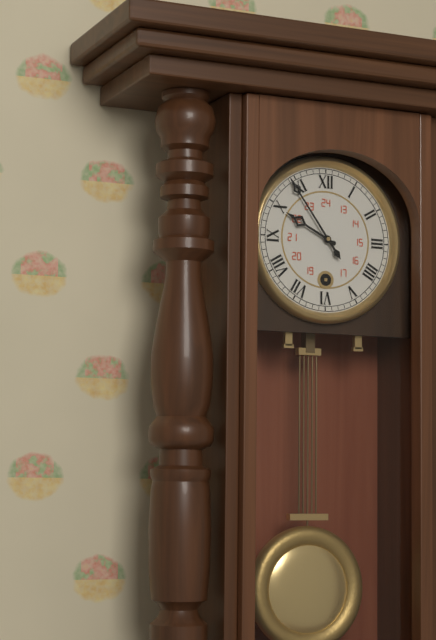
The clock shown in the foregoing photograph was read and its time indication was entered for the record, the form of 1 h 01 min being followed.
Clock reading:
9 h 54 min
